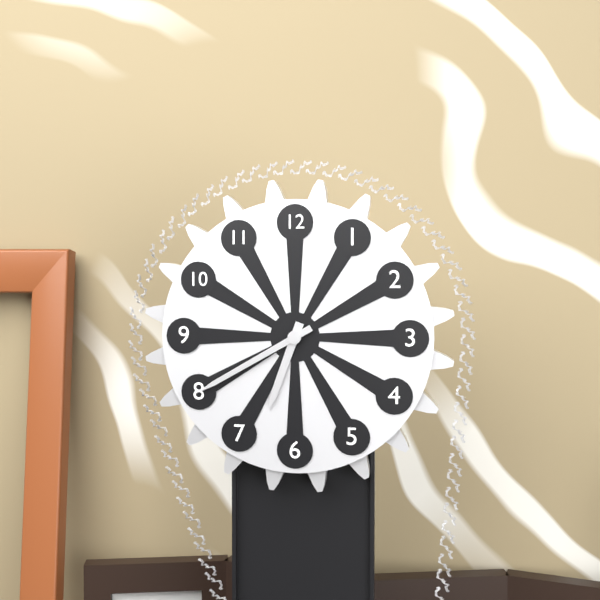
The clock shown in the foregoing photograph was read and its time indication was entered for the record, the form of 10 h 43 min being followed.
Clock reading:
6 h 40 min
